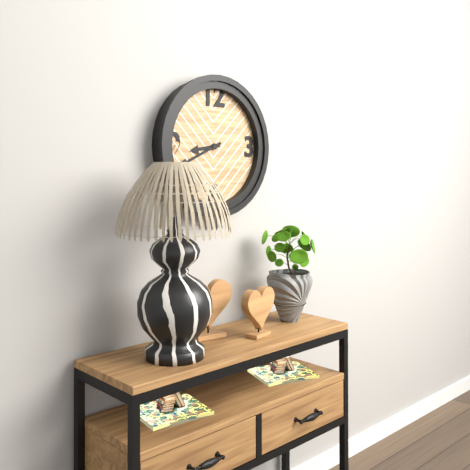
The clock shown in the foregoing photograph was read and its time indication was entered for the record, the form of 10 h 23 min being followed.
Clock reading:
8 h 41 min
